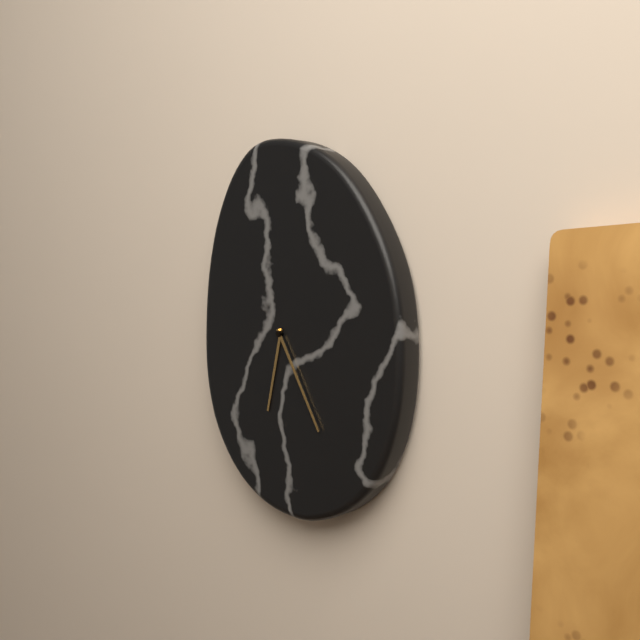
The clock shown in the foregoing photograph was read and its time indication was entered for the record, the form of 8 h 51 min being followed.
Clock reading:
6 h 25 min
